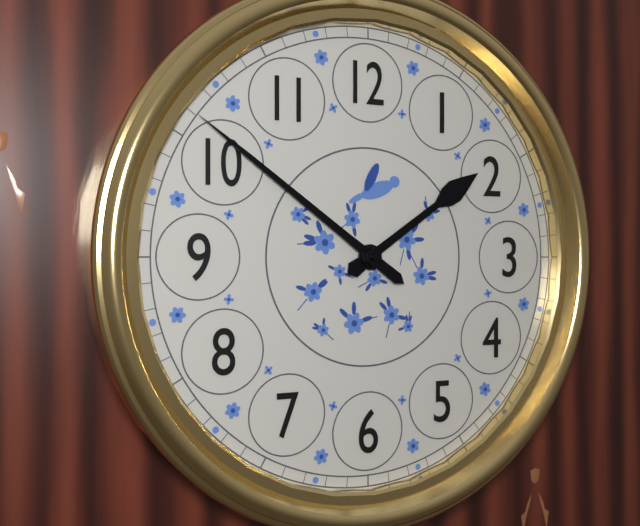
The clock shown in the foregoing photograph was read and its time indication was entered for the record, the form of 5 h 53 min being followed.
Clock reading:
1 h 51 min
